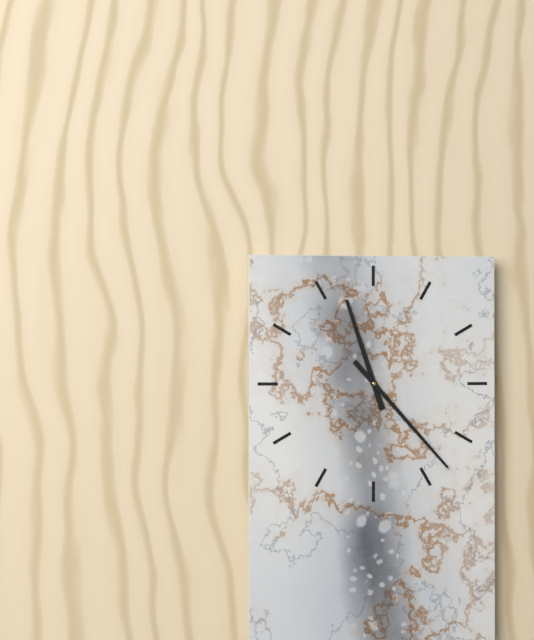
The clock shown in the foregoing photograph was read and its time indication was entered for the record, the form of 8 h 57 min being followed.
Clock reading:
11 h 23 min
